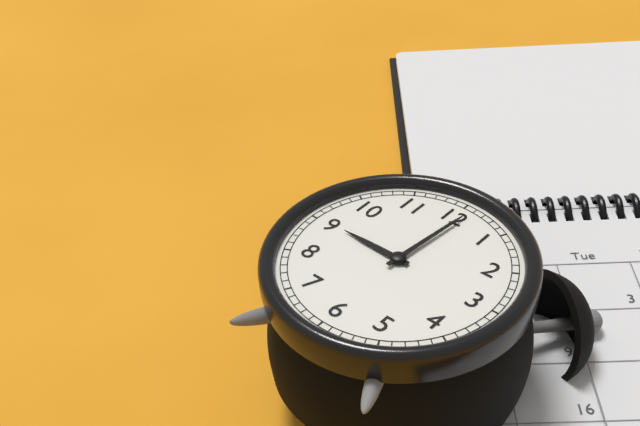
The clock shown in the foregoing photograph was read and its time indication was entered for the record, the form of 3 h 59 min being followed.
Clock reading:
9 h 01 min
